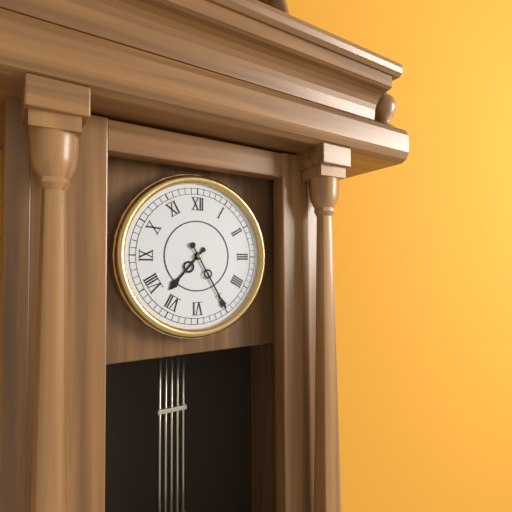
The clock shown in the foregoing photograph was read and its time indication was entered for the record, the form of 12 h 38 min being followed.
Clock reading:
7 h 25 min
